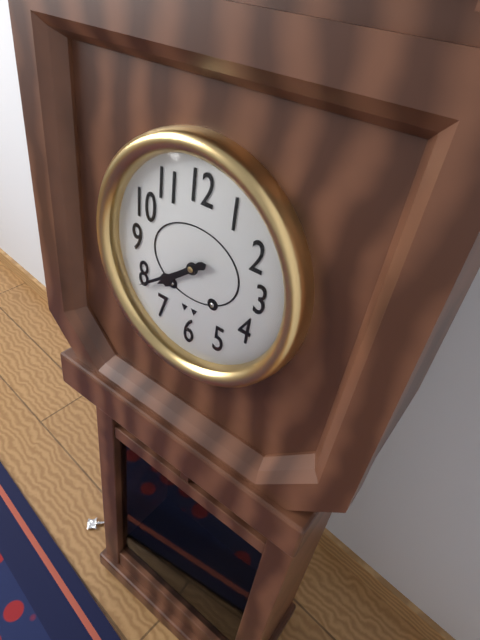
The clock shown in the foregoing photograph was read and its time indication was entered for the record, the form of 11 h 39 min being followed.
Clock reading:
7 h 39 min
